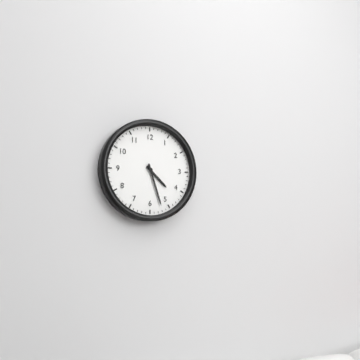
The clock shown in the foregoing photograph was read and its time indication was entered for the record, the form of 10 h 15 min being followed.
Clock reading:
4 h 27 min
